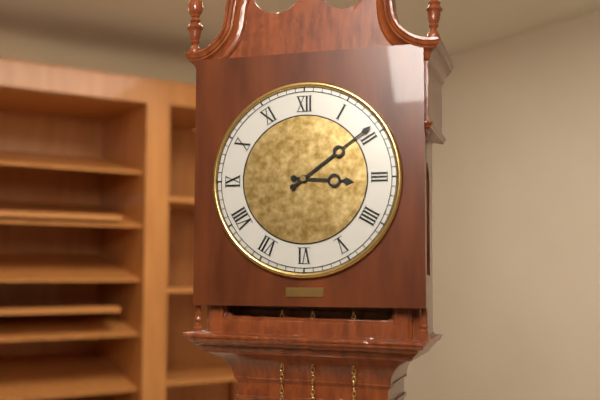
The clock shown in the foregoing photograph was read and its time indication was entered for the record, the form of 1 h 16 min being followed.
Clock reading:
3 h 09 min
